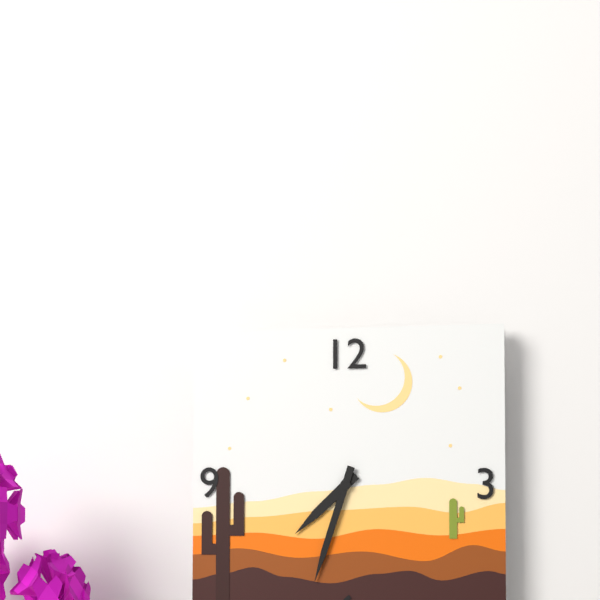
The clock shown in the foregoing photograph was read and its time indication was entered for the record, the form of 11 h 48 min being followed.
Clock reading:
7 h 33 min
